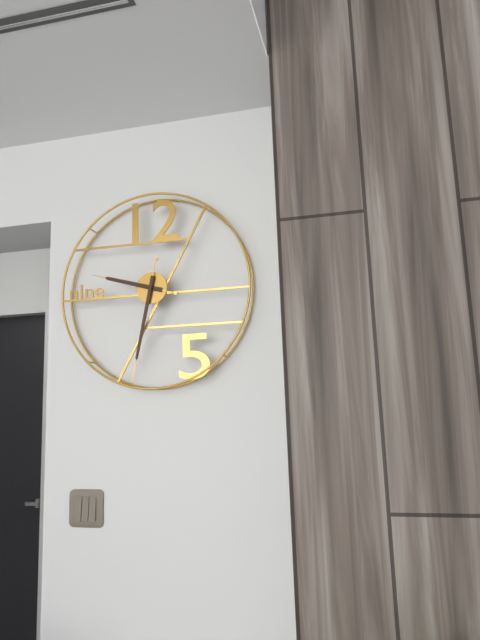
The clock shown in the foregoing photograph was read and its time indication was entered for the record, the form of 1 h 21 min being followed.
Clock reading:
9 h 32 min
